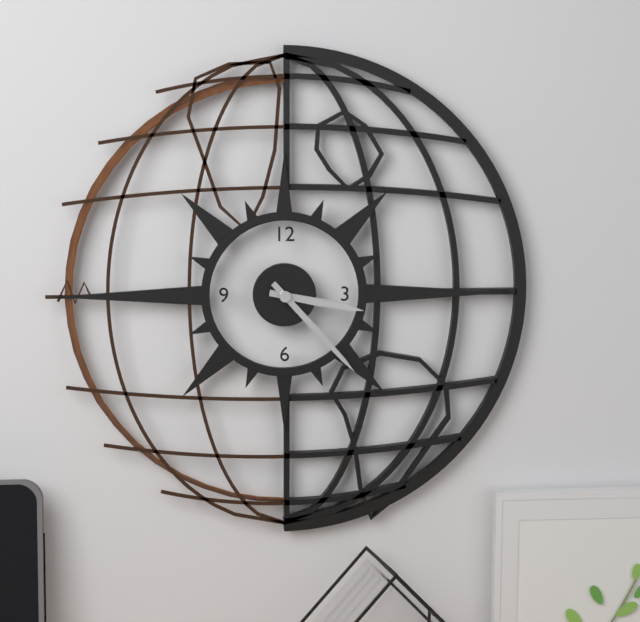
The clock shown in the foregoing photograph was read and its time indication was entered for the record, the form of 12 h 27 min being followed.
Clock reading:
3 h 23 min
